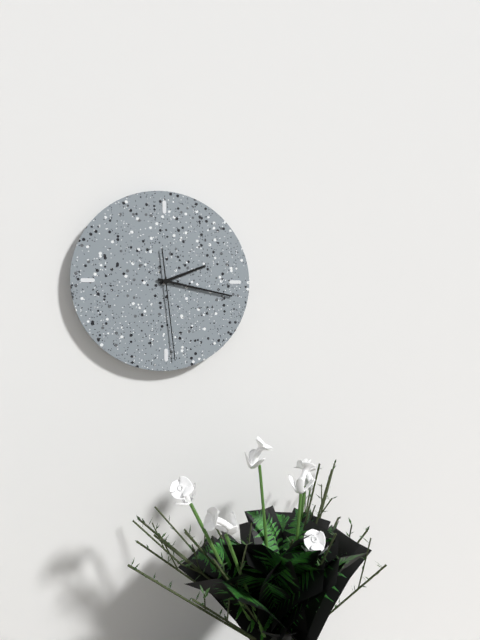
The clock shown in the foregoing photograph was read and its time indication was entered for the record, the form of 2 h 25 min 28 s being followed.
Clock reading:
2 h 17 min 29 s
